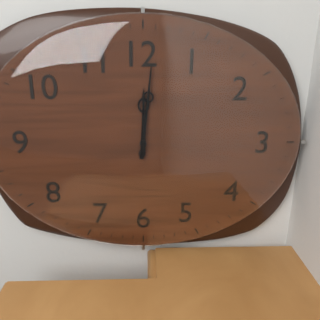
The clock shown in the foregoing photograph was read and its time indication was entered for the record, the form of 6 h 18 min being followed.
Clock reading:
12 h 01 min
